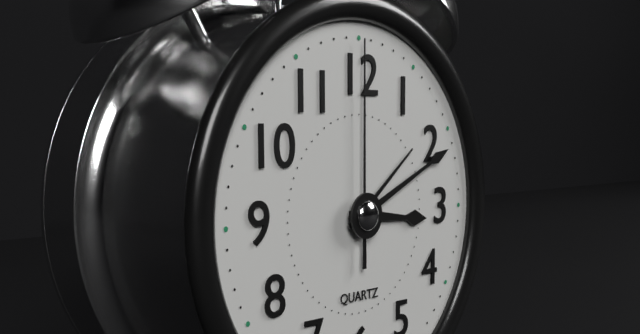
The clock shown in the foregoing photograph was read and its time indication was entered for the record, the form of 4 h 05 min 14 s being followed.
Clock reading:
3 h 11 min 00 s
